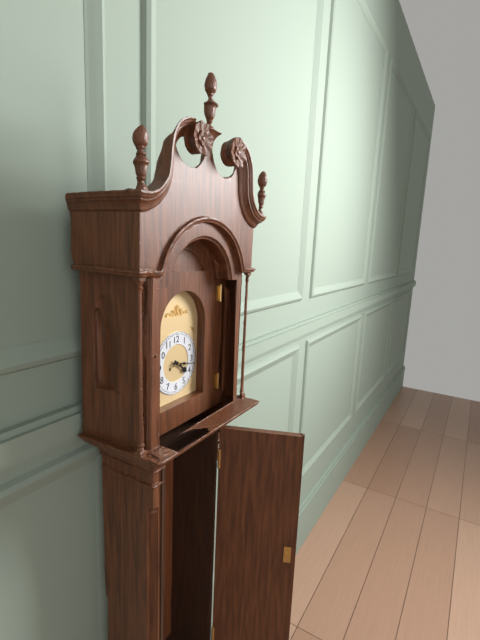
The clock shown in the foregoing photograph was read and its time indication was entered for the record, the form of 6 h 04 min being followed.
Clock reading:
4 h 17 min
